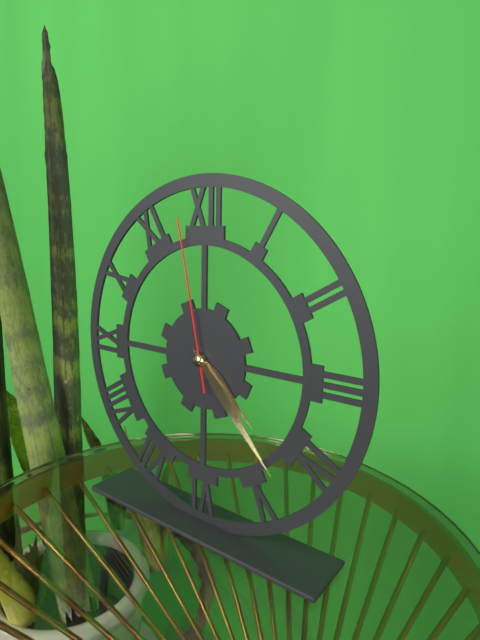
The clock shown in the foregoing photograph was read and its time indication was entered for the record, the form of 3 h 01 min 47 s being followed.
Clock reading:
4 h 23 min 58 s
